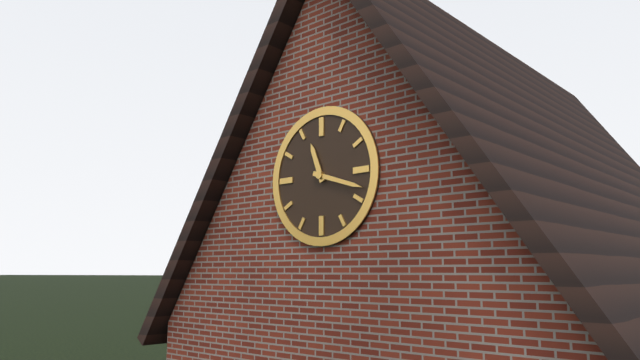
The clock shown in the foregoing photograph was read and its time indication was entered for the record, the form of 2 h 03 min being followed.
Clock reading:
11 h 18 min
